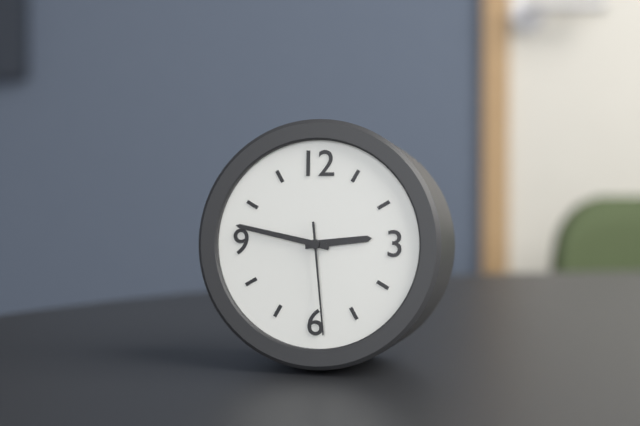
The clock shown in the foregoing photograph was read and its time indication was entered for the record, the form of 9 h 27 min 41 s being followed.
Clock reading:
2 h 47 min 29 s
